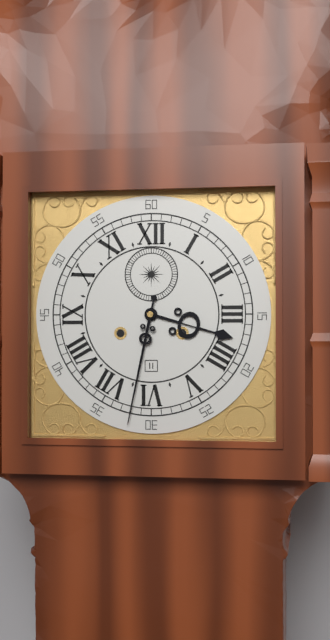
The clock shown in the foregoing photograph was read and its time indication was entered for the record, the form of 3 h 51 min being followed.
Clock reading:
3 h 32 min
